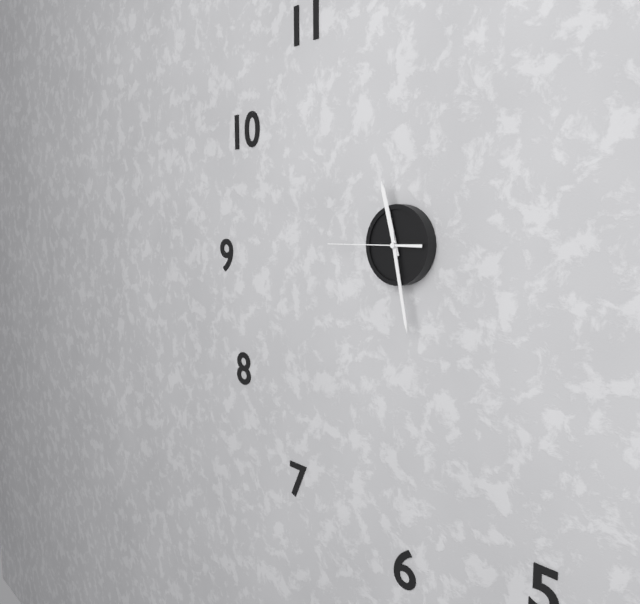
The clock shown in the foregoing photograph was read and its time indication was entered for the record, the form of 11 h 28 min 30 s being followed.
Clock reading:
11 h 28 min 45 s
